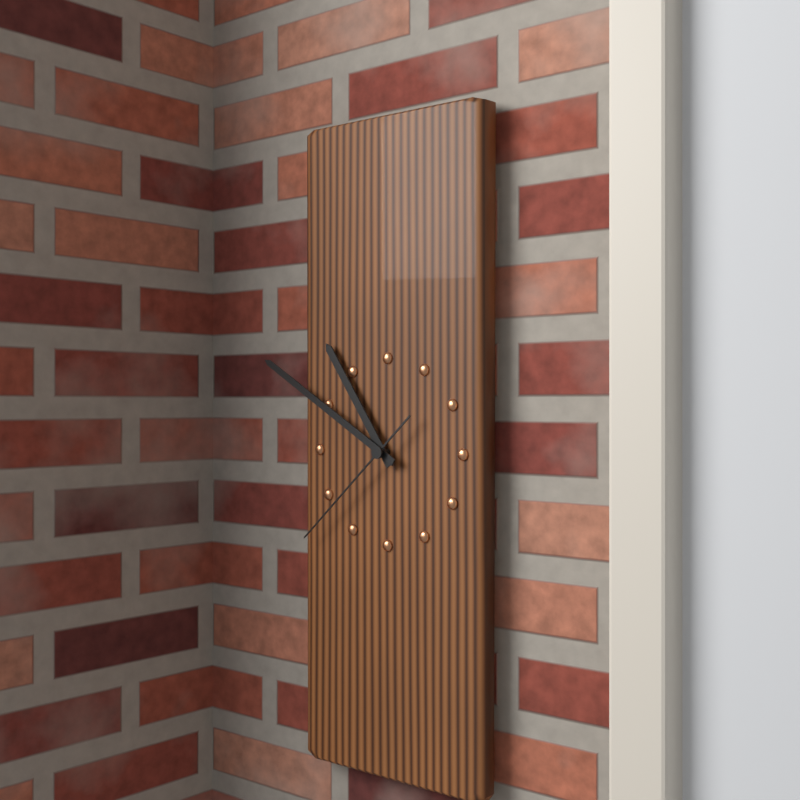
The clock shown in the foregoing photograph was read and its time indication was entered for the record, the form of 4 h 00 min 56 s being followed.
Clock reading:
10 h 50 min 38 s
